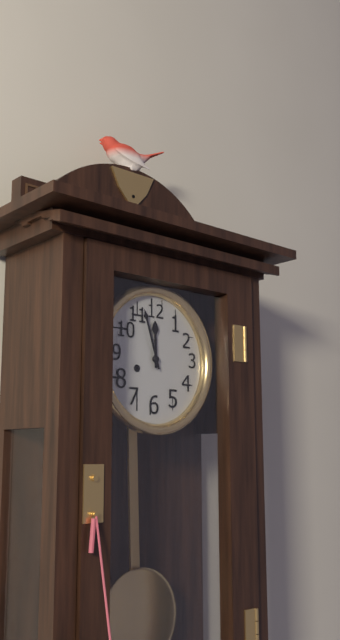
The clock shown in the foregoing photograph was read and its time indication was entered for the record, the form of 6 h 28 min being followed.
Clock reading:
11 h 57 min
